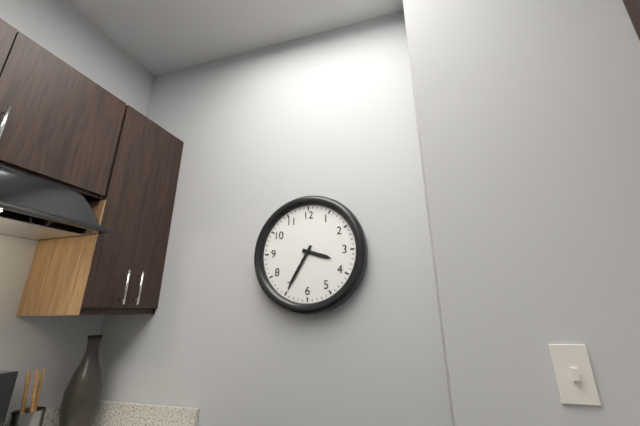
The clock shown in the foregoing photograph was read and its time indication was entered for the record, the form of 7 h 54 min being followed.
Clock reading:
3 h 35 min
